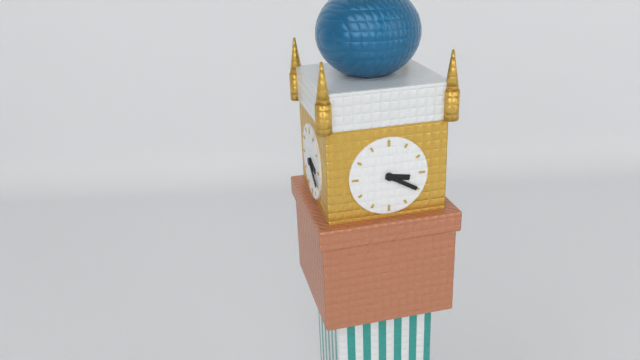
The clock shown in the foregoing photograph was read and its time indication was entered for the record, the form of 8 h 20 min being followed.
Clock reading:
3 h 20 min
